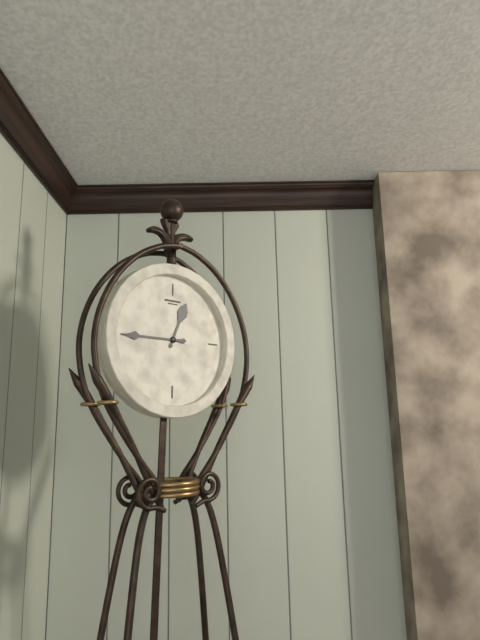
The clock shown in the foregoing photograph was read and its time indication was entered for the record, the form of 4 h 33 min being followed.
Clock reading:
12 h 45 min
